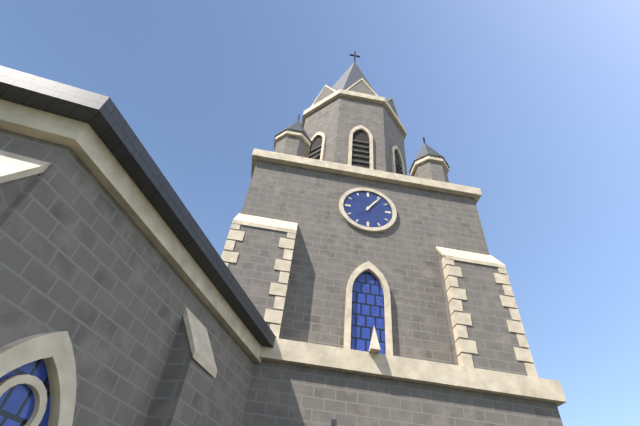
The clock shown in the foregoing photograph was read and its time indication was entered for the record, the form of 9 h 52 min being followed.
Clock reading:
1 h 06 min
